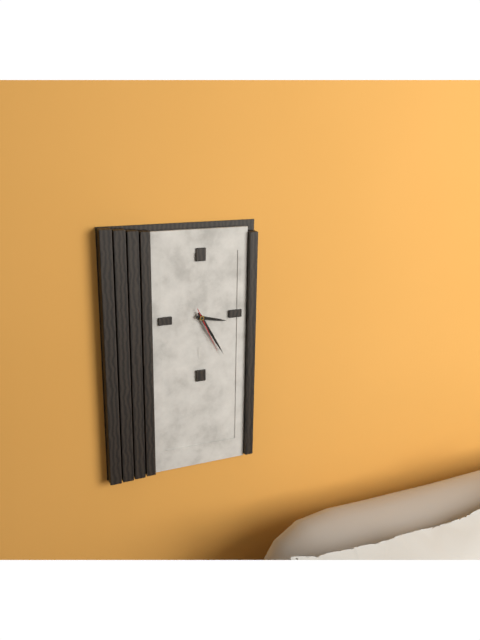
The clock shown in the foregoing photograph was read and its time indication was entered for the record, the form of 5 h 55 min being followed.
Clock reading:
3 h 25 min
